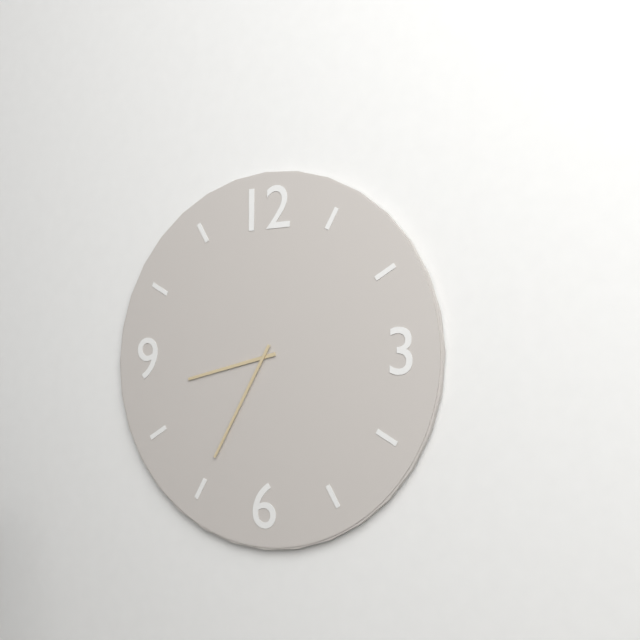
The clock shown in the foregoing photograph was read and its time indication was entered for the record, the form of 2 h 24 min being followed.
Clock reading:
8 h 35 min
